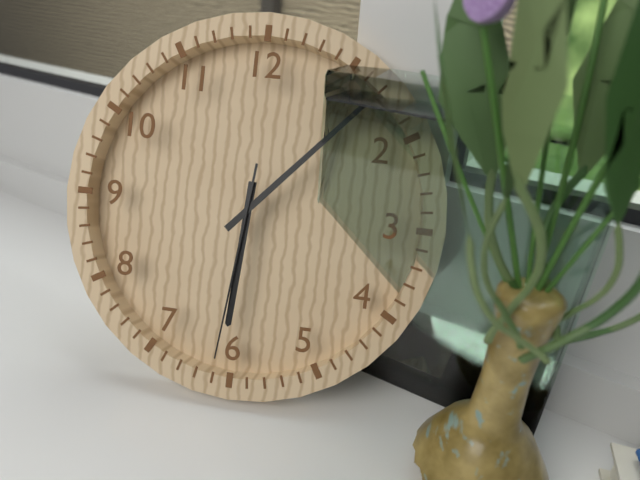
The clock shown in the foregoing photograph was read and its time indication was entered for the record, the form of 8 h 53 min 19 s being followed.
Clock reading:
6 h 07 min 31 s
